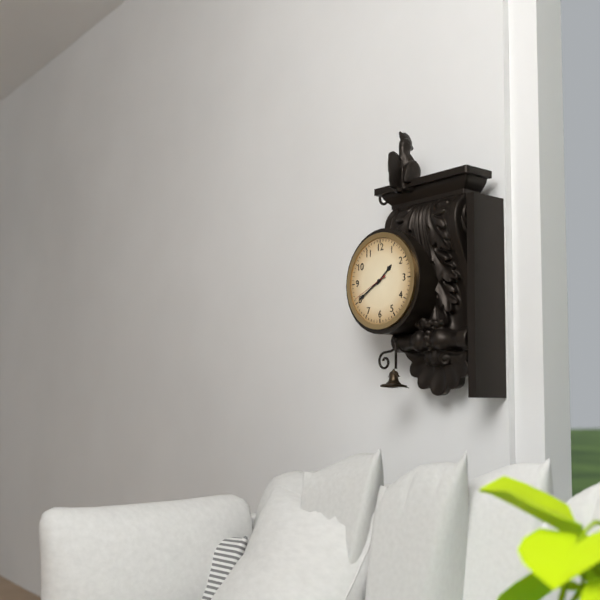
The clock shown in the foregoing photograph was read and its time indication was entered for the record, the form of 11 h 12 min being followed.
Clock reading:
1 h 40 min
